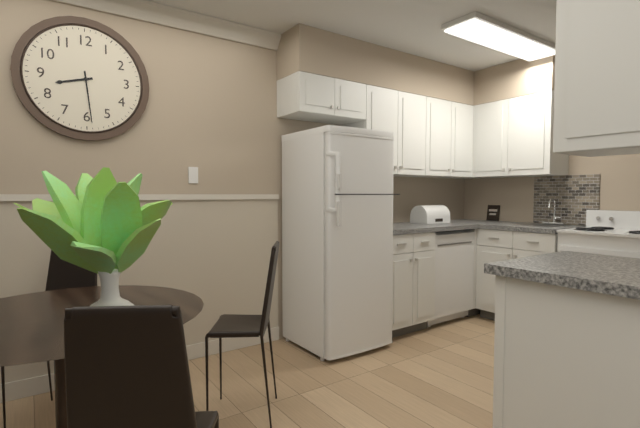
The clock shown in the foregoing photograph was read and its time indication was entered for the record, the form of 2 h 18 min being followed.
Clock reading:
8 h 29 min
